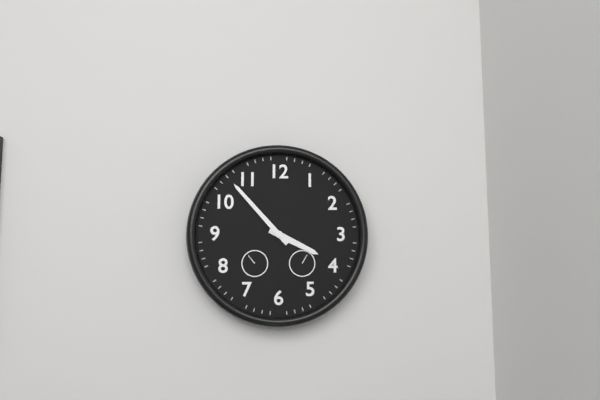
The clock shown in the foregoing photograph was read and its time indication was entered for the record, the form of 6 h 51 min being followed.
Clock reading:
3 h 53 min
